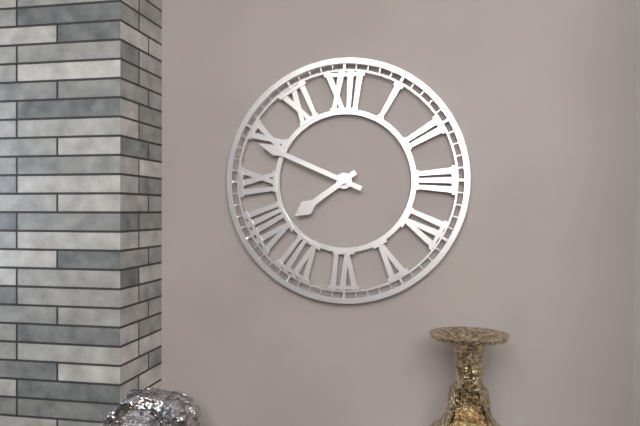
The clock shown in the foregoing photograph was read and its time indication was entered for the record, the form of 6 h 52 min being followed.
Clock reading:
7 h 49 min
